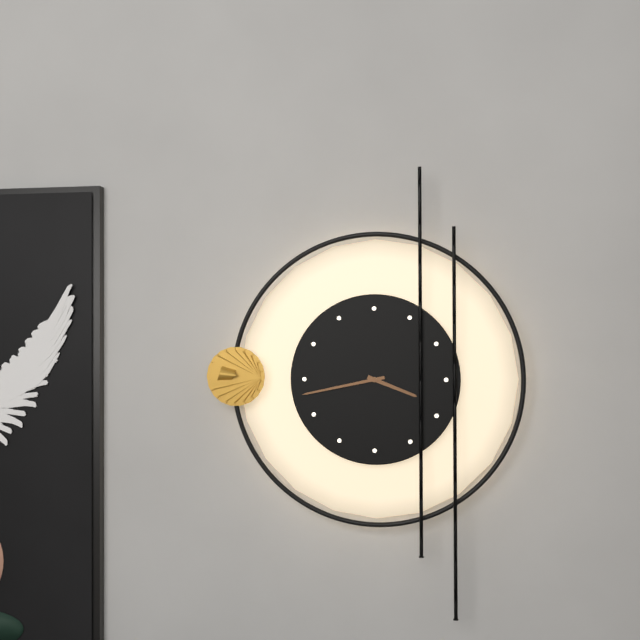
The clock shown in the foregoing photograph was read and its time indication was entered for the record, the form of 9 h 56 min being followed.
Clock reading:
3 h 43 min
